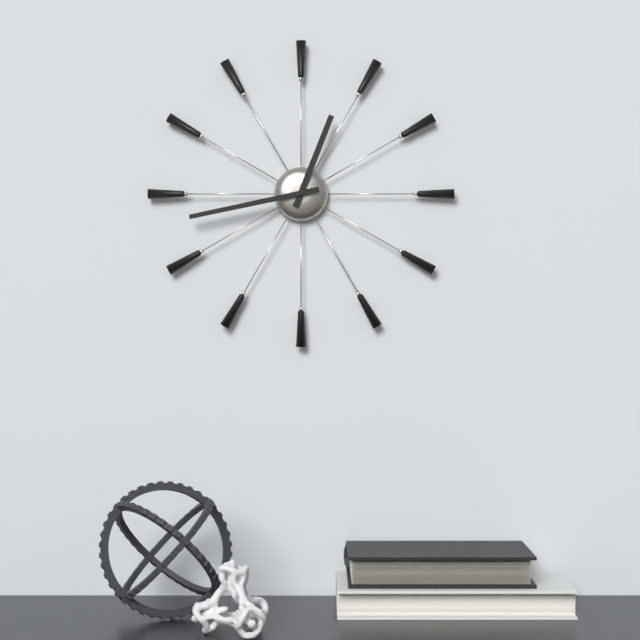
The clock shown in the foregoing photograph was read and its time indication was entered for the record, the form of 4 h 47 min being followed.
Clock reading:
12 h 43 min
